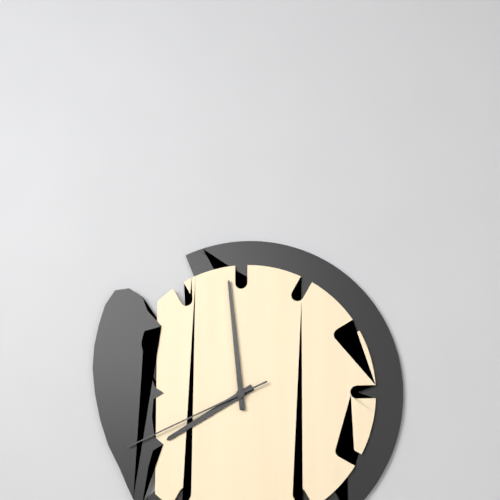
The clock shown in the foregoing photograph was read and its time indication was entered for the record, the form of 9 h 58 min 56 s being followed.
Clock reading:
7 h 59 min 41 s
